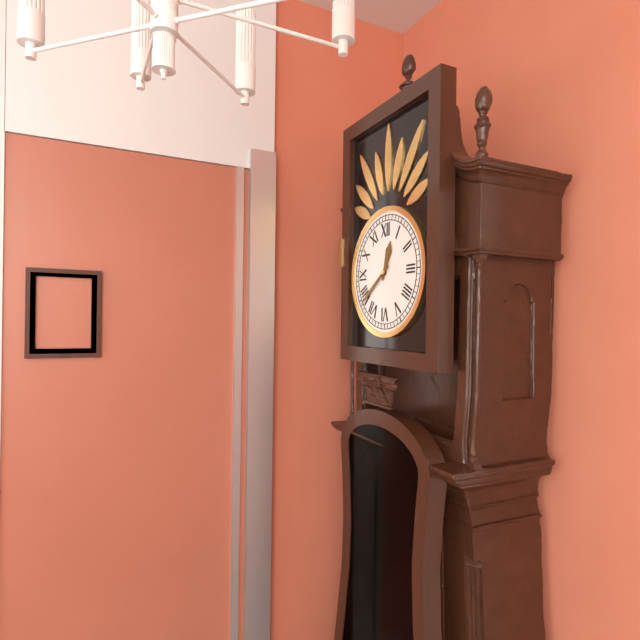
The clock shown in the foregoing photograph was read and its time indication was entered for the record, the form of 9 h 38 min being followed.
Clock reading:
12 h 39 min
